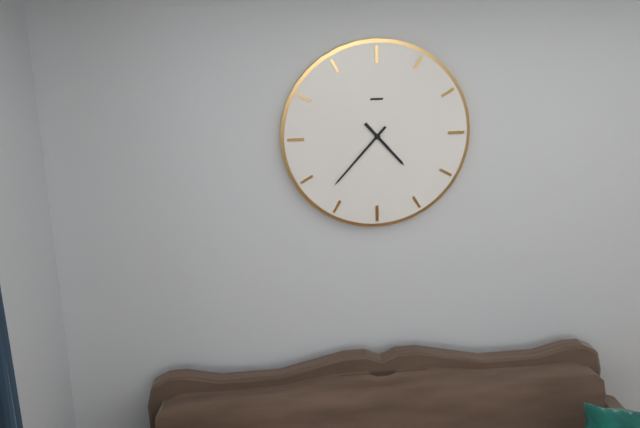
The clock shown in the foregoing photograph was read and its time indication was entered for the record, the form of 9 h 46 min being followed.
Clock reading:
4 h 37 min
